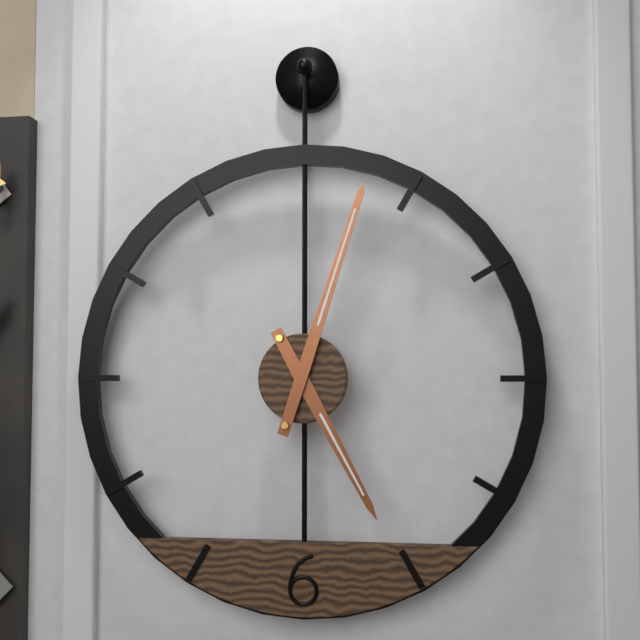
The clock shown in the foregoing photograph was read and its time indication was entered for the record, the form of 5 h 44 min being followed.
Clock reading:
5 h 03 min
